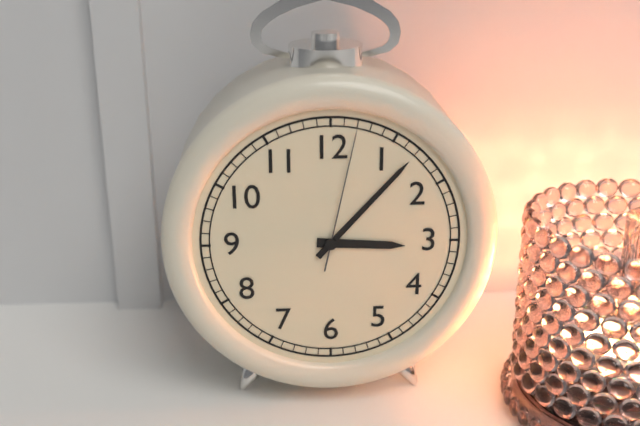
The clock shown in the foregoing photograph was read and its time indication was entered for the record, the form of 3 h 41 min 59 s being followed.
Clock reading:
3 h 07 min 02 s
